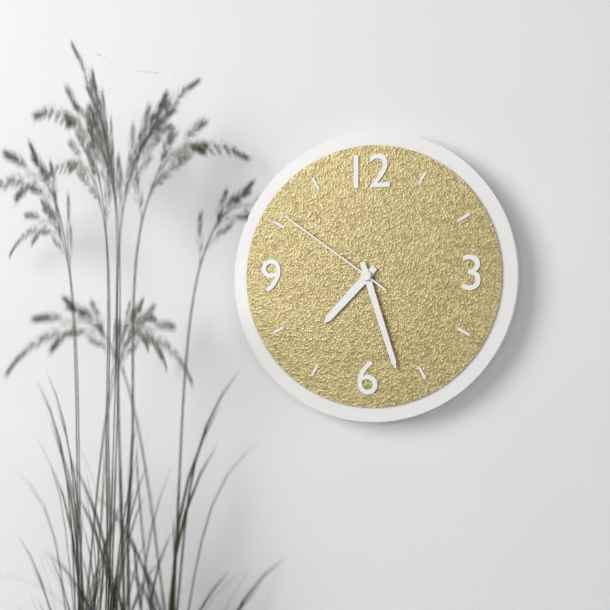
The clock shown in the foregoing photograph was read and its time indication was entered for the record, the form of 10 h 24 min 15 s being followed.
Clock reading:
7 h 27 min 51 s
